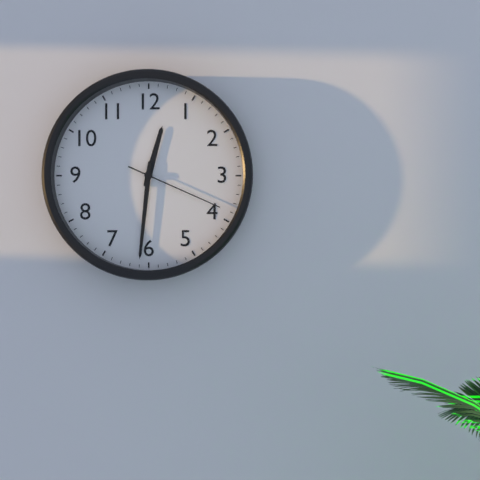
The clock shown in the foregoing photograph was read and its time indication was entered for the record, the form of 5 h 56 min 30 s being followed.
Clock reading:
12 h 31 min 19 s
